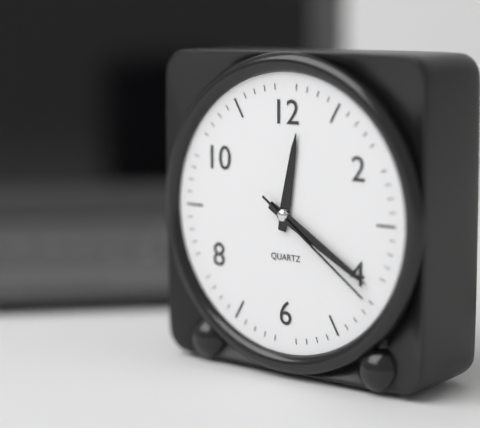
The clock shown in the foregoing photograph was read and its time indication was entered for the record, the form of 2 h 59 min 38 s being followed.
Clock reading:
12 h 20 min 21 s
